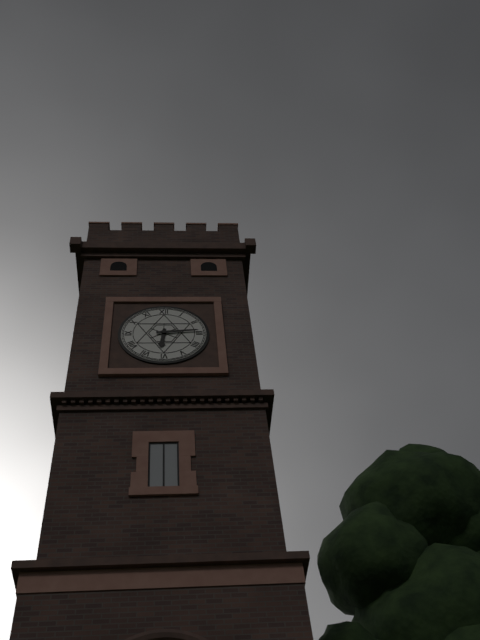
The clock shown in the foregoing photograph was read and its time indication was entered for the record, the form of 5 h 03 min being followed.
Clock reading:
6 h 14 min
